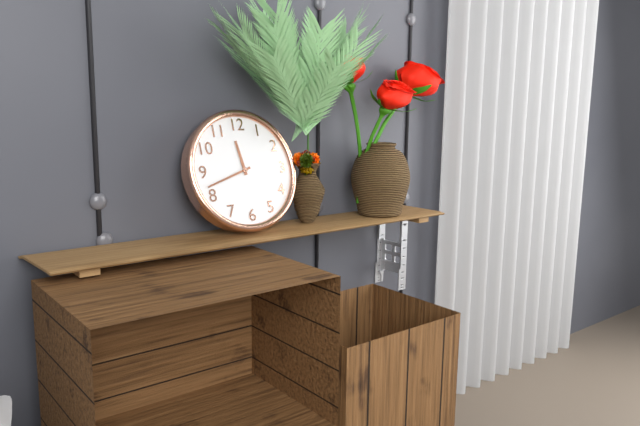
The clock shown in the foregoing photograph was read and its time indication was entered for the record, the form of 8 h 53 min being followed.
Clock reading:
11 h 42 min
